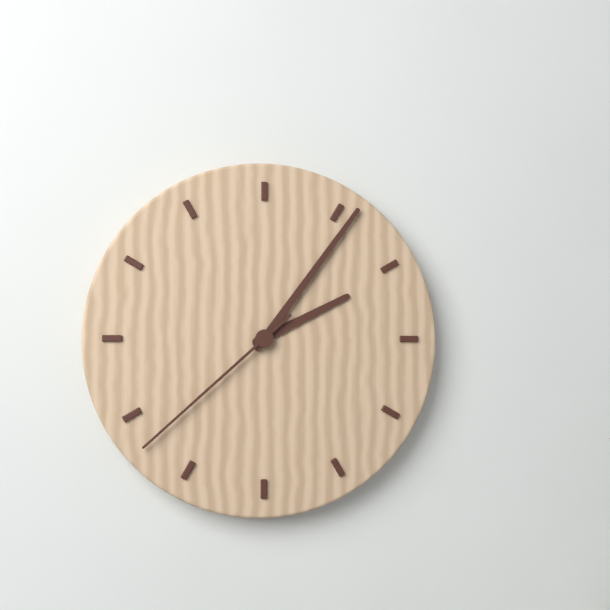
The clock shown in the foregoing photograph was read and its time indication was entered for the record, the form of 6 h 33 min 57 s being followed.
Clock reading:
2 h 06 min 38 s
